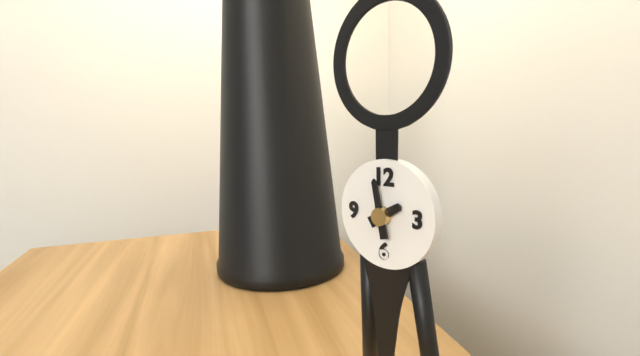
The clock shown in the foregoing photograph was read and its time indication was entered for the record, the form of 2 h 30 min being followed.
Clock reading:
1 h 58 min
